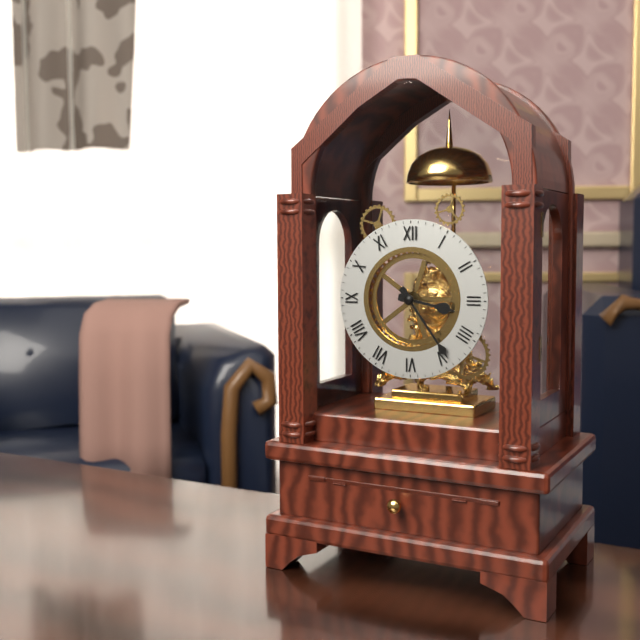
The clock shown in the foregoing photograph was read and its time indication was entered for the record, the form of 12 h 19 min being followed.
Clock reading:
3 h 24 min
